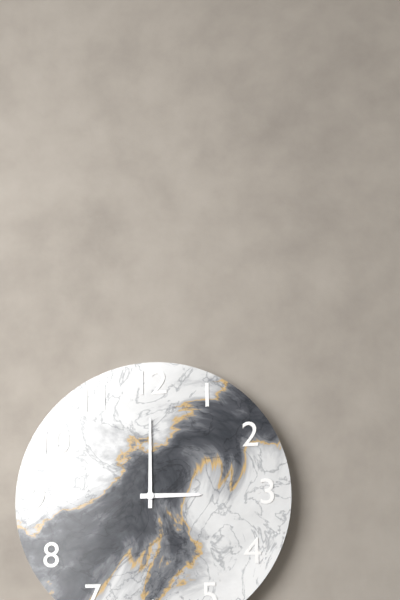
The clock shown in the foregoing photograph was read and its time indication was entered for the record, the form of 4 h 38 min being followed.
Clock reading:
3 h 00 min
